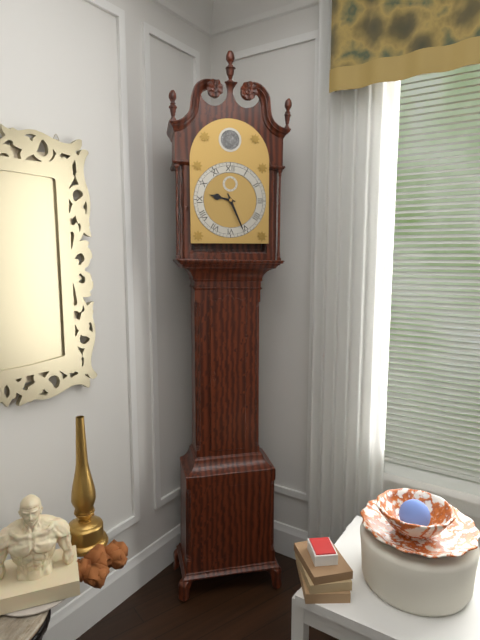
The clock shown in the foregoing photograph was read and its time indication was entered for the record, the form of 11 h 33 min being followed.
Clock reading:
9 h 26 min
